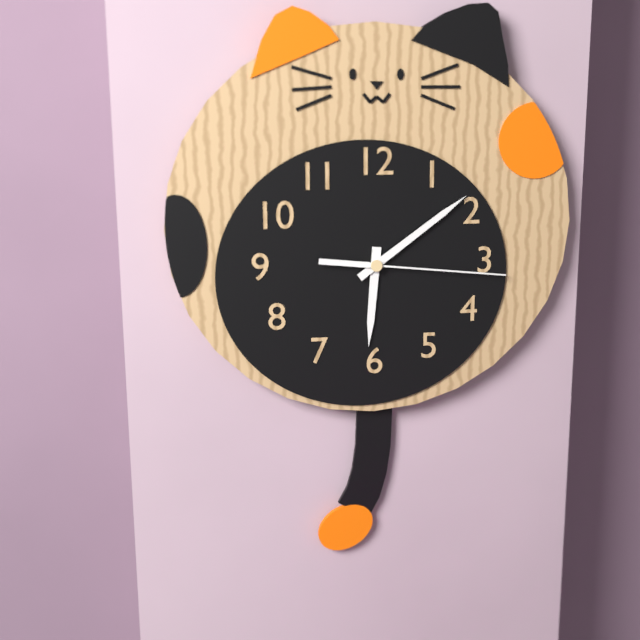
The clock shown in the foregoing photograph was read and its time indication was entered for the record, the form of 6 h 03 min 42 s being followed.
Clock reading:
6 h 09 min 16 s
